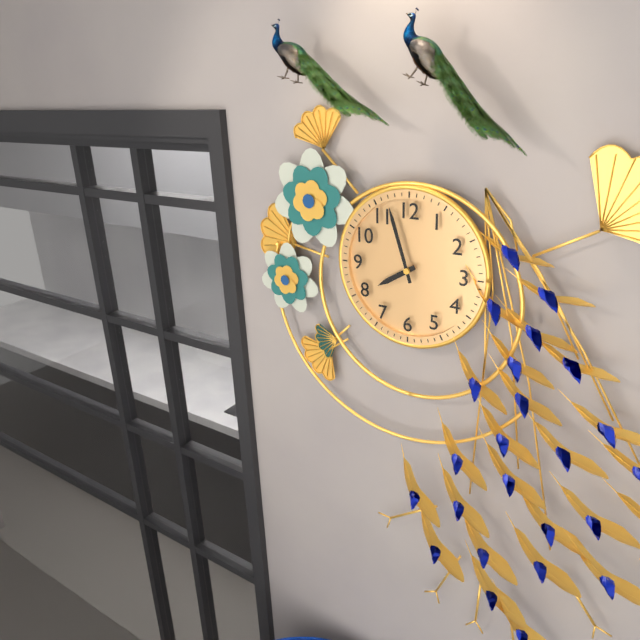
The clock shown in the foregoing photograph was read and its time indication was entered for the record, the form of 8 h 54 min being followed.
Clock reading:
7 h 57 min
